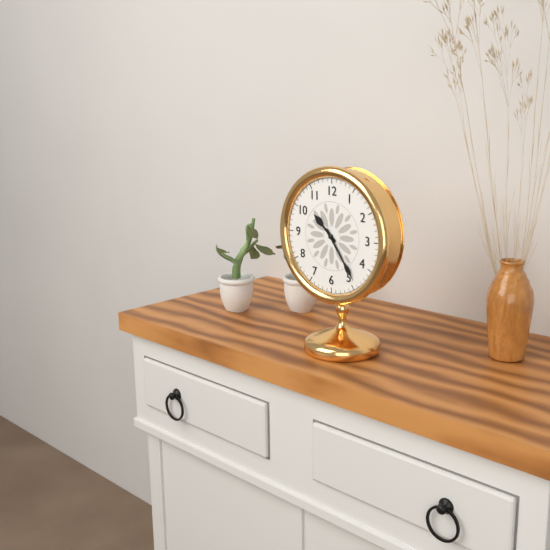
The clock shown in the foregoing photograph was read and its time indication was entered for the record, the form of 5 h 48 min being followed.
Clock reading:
10 h 24 min
